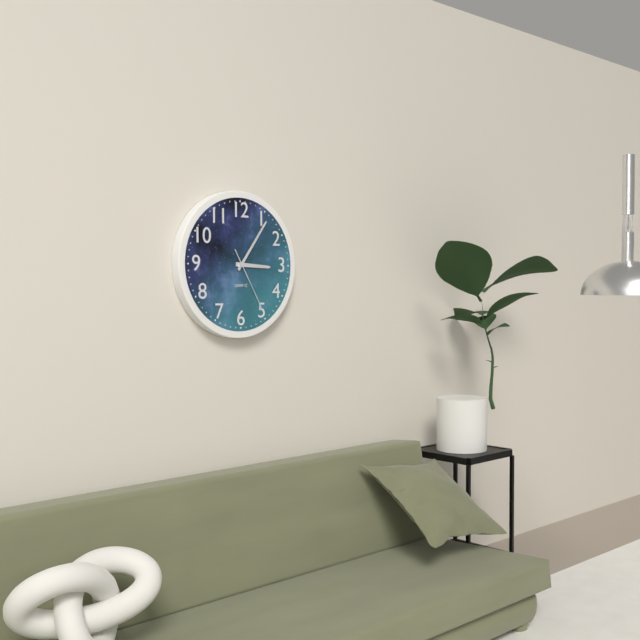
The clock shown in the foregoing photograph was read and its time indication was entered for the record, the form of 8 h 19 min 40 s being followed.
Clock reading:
3 h 06 min 25 s
